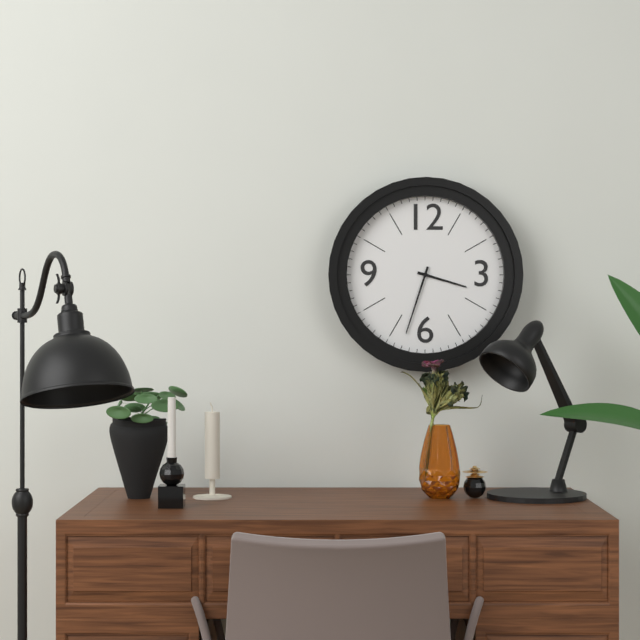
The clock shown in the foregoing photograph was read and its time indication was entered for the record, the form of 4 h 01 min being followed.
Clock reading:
3 h 33 min
